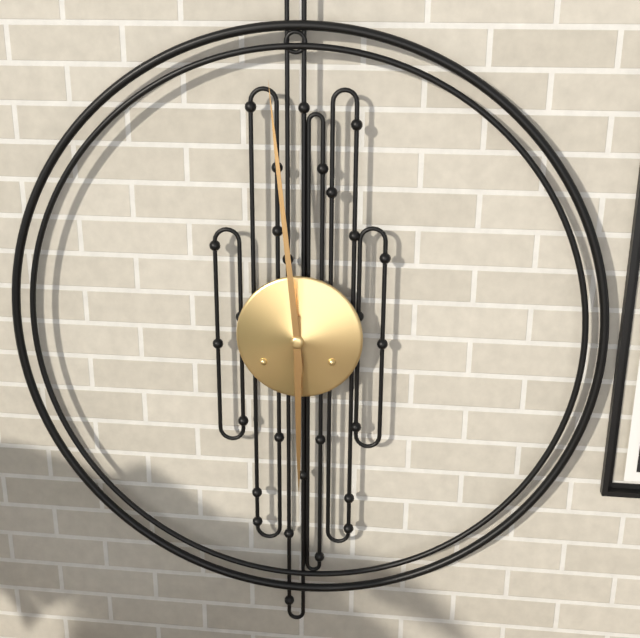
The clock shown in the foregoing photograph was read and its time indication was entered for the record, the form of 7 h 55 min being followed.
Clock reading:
5 h 59 min
